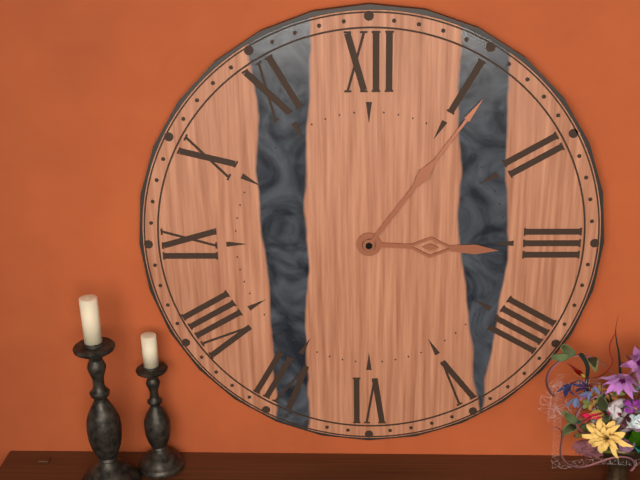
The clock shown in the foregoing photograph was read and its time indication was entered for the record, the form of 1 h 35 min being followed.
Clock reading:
3 h 06 min
